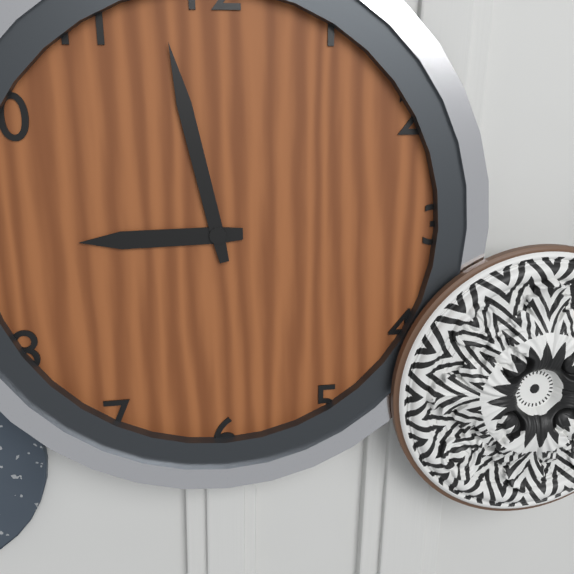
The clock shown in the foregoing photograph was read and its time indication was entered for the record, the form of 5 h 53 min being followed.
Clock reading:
8 h 58 min
